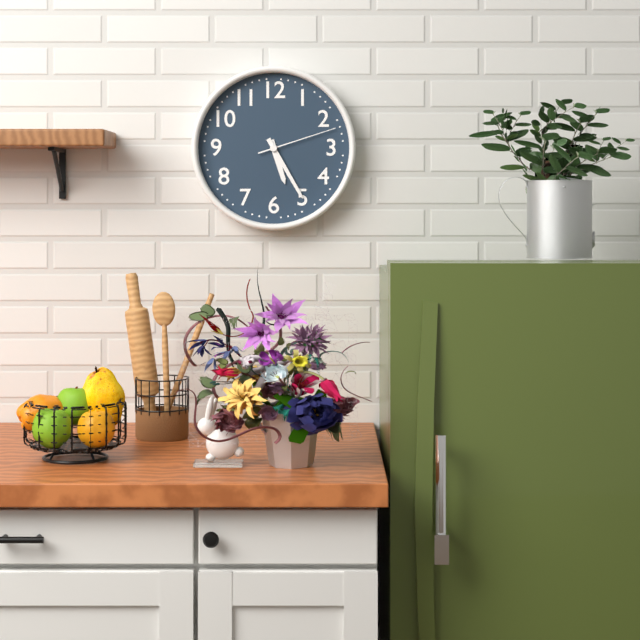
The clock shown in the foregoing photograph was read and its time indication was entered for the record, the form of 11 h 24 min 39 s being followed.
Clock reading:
5 h 25 min 12 s
